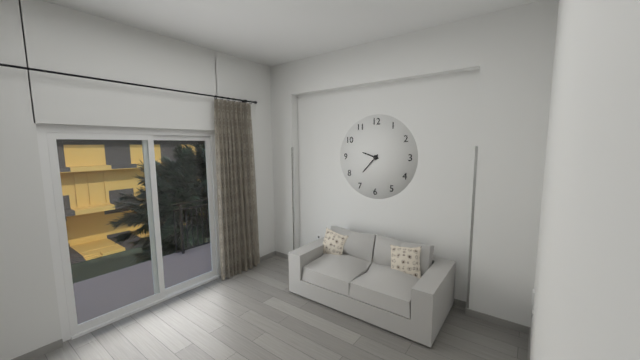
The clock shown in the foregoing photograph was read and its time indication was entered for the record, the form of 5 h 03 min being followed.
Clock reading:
9 h 37 min
